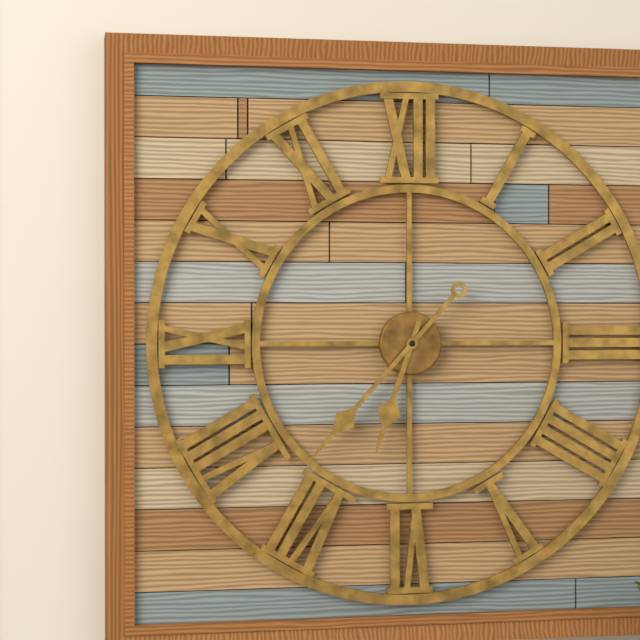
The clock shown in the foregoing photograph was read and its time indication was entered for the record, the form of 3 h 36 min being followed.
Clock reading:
6 h 37 min
